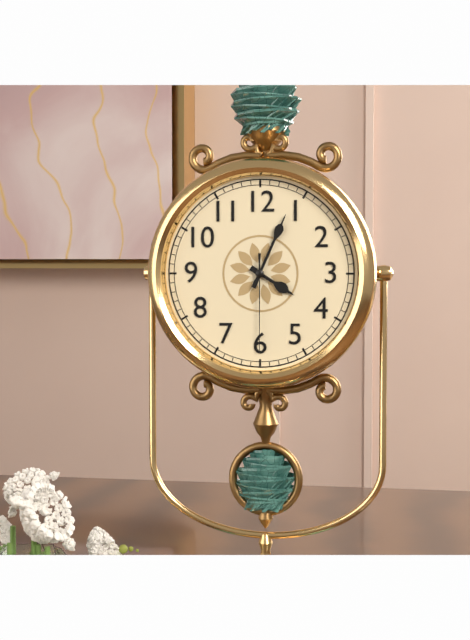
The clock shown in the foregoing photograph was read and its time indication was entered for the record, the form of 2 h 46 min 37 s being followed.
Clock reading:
4 h 04 min 30 s
